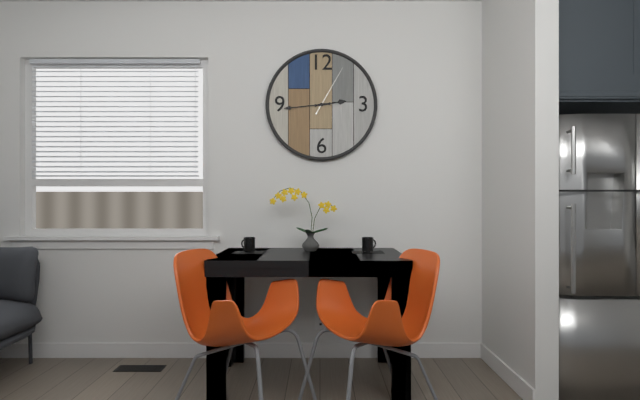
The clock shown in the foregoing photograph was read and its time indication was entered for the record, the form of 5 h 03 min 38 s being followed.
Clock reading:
2 h 44 min 05 s
